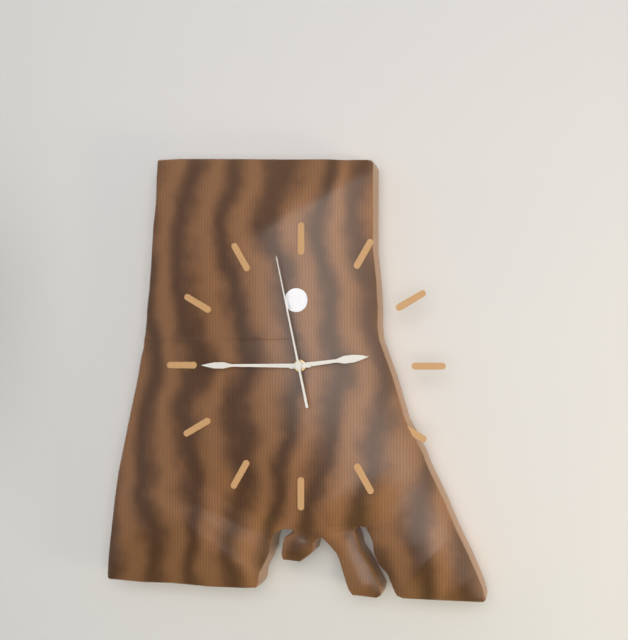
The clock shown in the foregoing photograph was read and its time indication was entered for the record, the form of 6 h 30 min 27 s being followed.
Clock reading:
2 h 45 min 58 s
